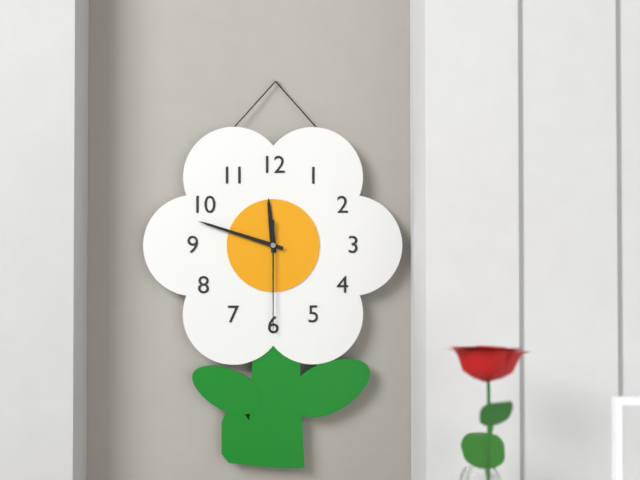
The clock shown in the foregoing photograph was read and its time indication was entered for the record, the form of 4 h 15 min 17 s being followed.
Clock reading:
11 h 48 min 30 s
